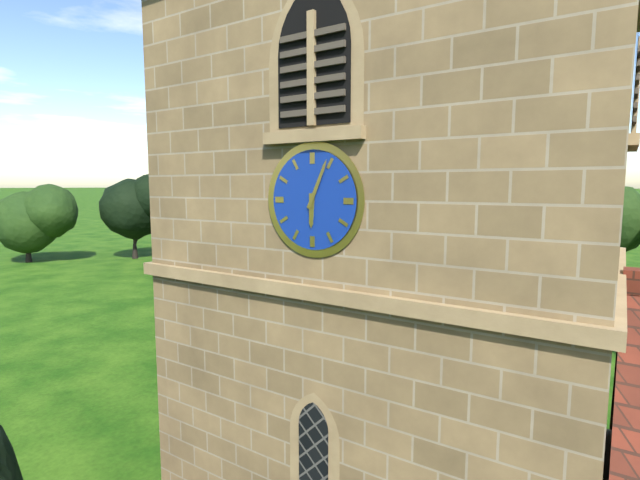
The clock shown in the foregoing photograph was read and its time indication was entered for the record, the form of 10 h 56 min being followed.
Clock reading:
6 h 04 min
